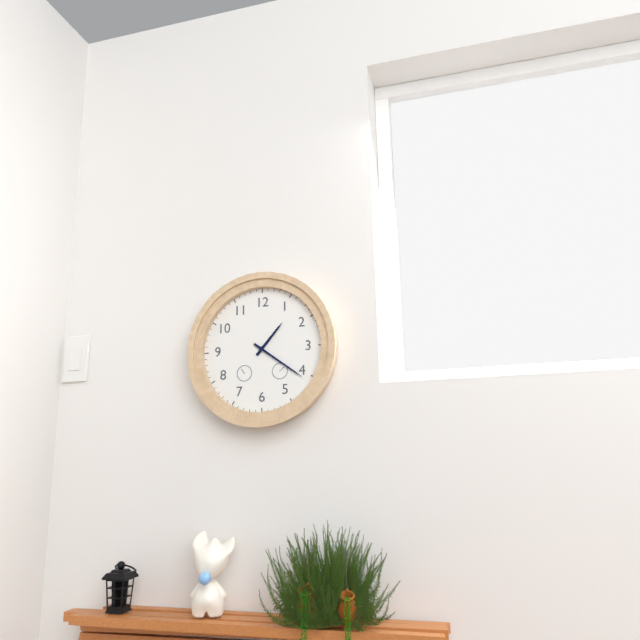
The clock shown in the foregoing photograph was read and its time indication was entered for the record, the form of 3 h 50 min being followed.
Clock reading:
1 h 21 min
